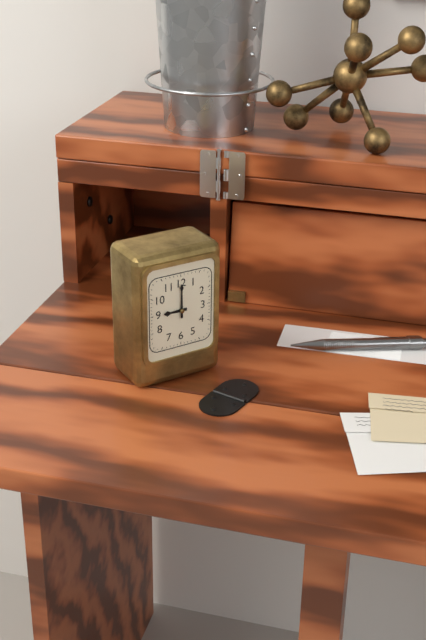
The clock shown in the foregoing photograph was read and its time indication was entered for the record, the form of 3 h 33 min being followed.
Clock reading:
9 h 00 min
